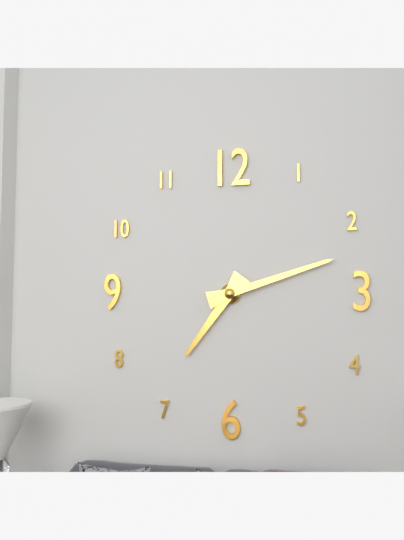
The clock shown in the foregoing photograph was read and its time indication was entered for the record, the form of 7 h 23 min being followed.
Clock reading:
7 h 12 min
